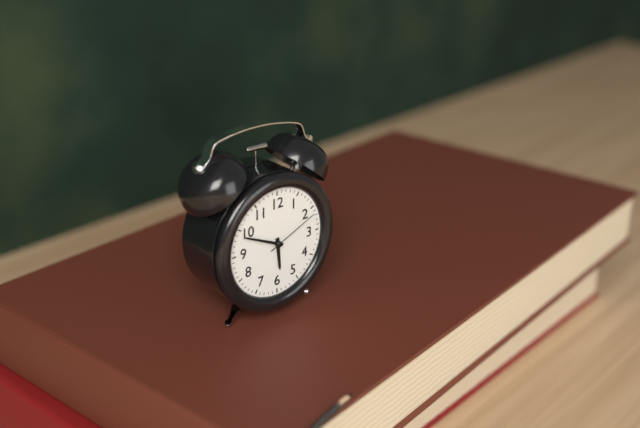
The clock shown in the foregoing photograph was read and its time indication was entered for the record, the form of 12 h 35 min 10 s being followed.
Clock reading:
5 h 49 min 11 s
